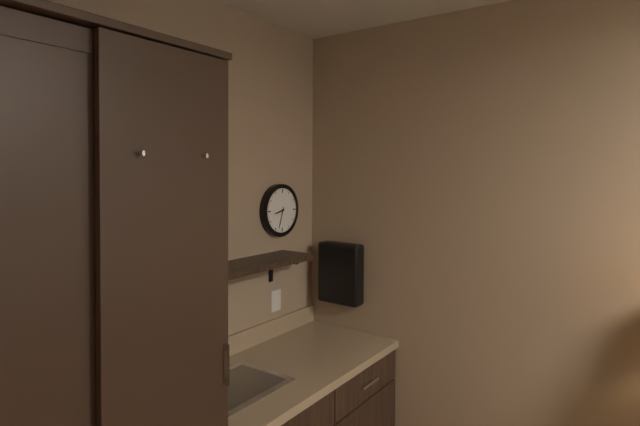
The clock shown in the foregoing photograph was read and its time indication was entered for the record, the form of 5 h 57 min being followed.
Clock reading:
8 h 33 min
